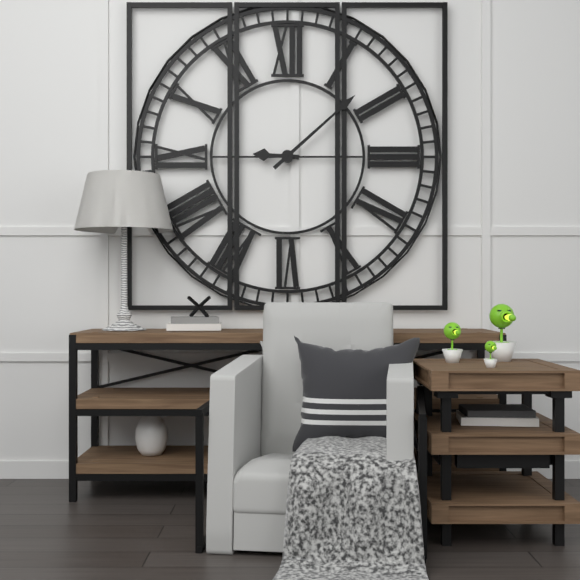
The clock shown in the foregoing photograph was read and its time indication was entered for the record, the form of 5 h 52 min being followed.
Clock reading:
9 h 08 min
